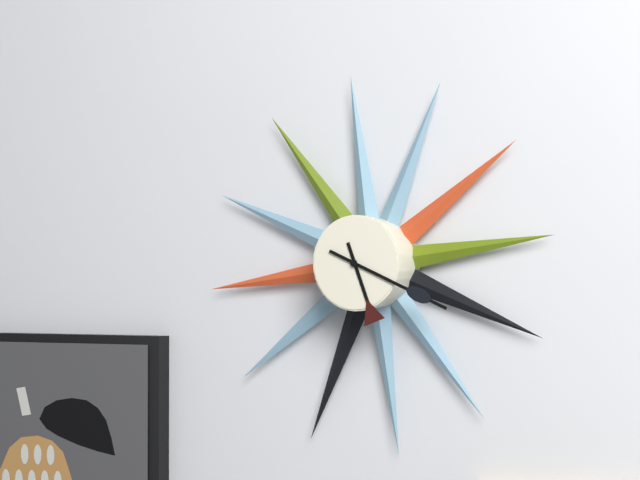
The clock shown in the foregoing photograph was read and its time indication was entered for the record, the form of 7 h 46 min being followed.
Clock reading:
5 h 19 min
